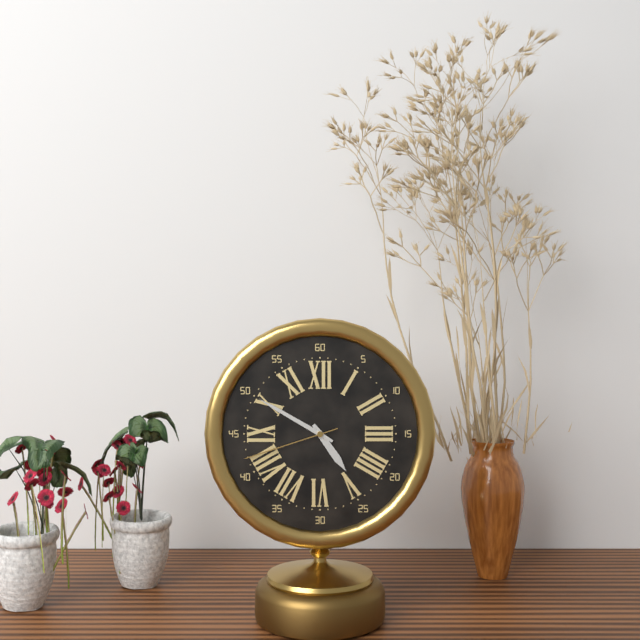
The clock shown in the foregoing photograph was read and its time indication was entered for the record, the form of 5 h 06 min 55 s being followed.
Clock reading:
4 h 50 min 42 s
